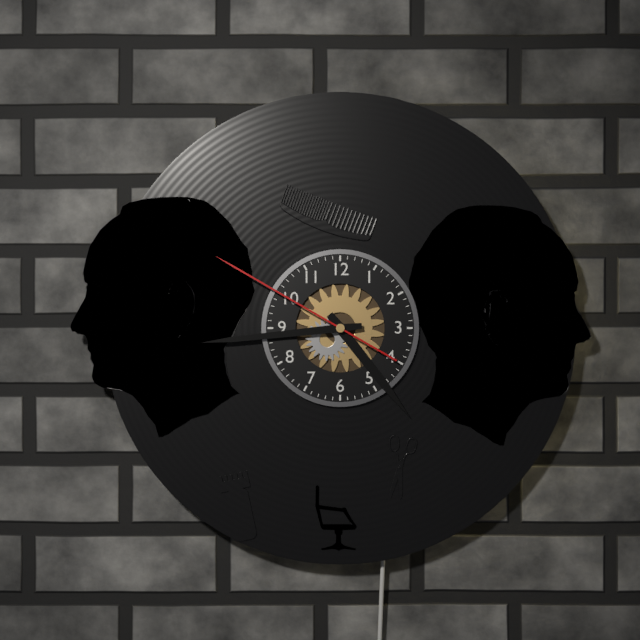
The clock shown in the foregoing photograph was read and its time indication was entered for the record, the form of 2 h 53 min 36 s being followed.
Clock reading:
4 h 44 min 50 s
